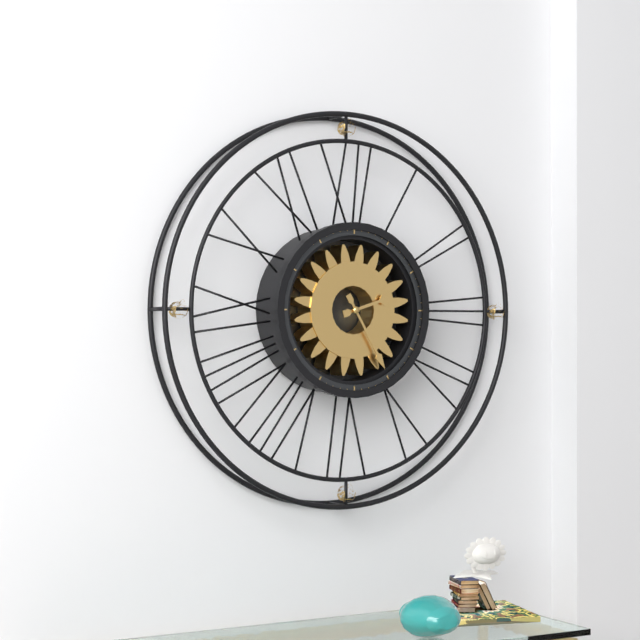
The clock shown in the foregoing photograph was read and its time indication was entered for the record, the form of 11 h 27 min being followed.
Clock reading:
2 h 25 min
